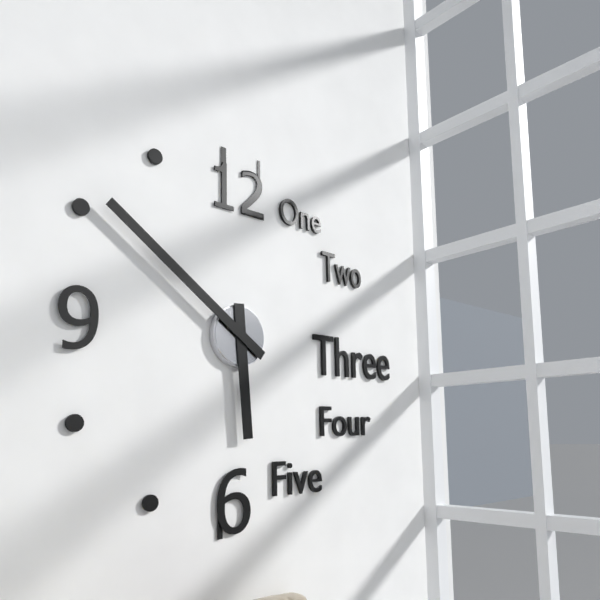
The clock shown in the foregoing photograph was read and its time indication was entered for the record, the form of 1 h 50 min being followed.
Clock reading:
5 h 51 min
